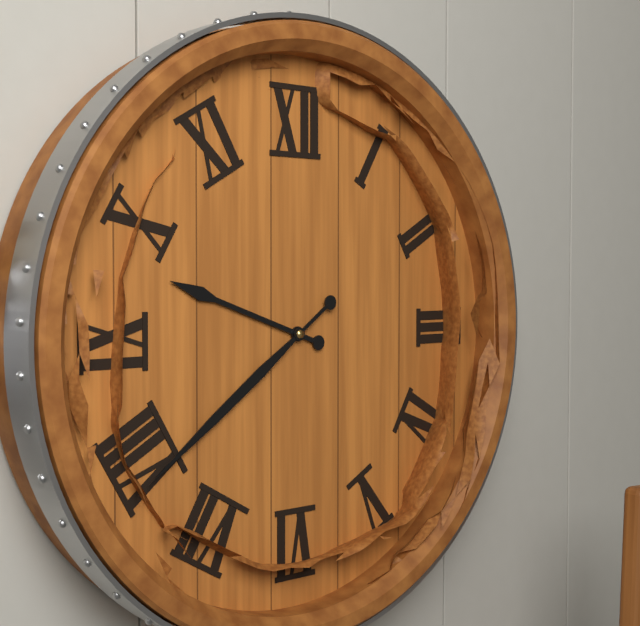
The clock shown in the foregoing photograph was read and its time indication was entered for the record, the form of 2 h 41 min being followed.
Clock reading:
9 h 39 min
